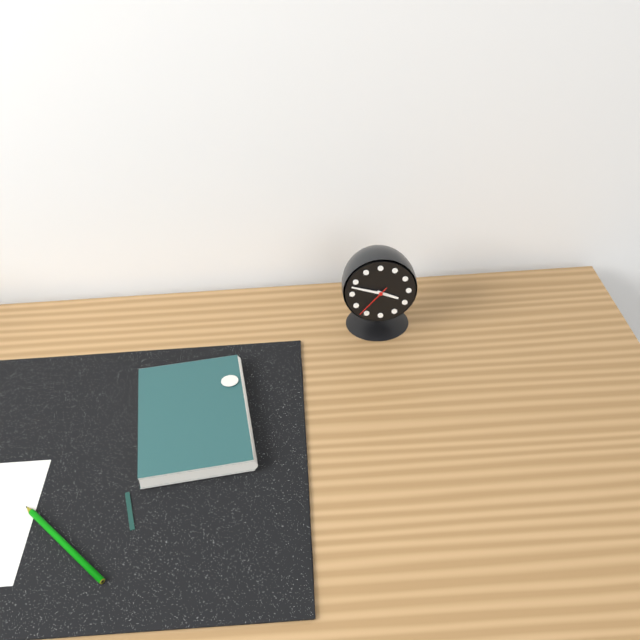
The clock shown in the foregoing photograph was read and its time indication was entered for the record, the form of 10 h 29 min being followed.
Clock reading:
3 h 48 min
